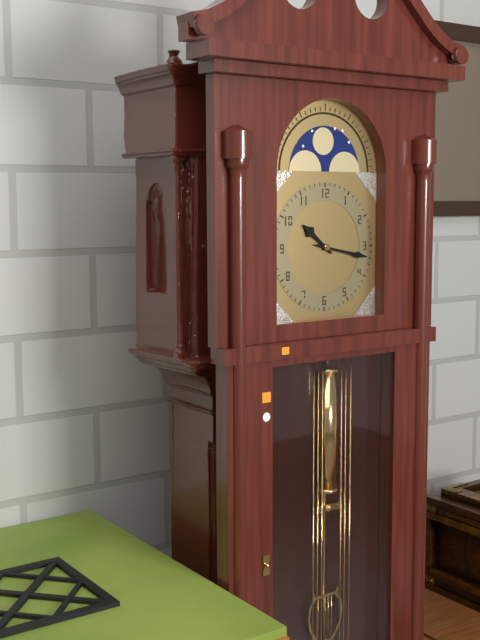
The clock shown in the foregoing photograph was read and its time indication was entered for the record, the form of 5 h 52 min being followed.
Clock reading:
10 h 17 min
